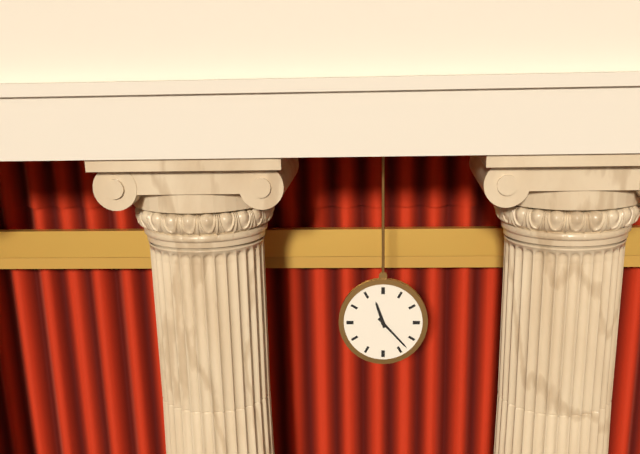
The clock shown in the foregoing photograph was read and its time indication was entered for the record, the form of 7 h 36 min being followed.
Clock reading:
11 h 23 min
